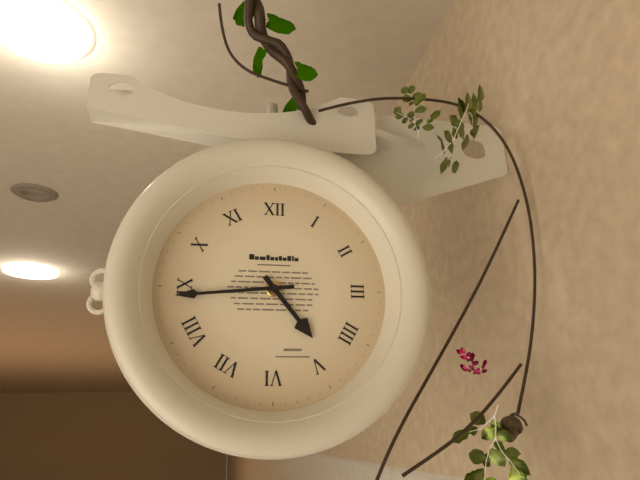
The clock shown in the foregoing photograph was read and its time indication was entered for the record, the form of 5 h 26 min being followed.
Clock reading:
4 h 44 min
